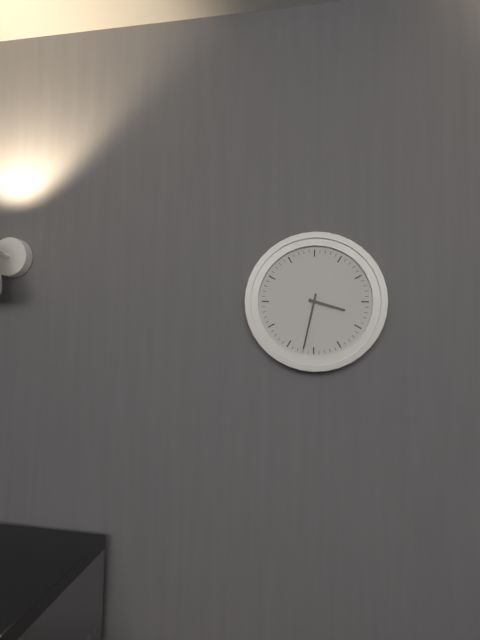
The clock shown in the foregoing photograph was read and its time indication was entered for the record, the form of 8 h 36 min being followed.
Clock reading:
3 h 32 min
